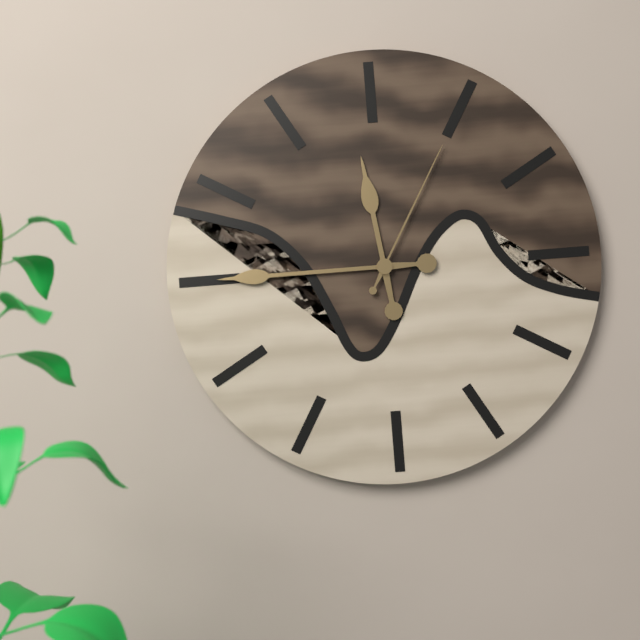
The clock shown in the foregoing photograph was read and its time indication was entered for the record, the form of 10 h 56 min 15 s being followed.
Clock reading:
11 h 45 min 05 s
